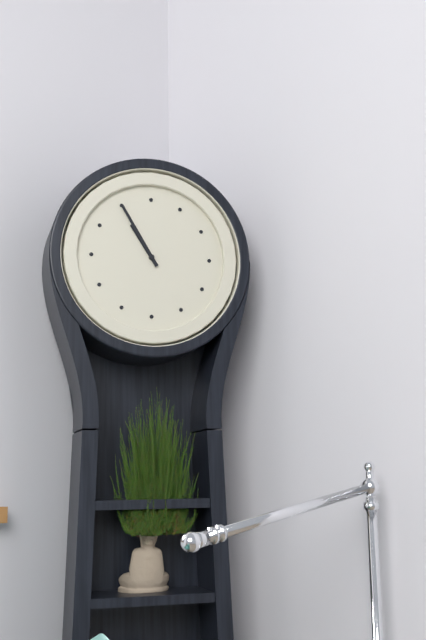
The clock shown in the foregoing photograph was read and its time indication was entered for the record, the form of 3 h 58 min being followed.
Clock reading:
10 h 55 min
